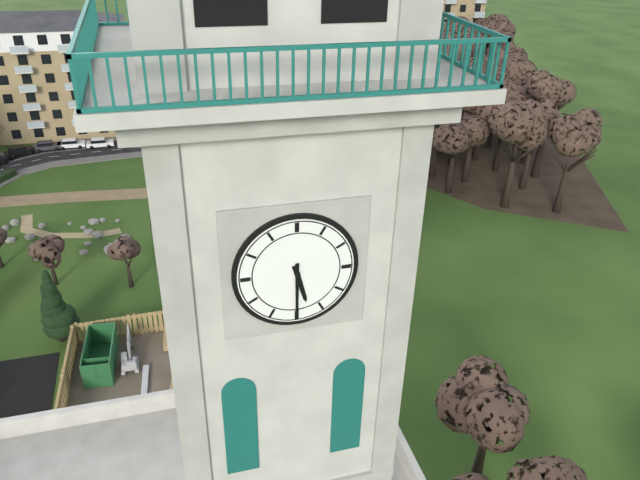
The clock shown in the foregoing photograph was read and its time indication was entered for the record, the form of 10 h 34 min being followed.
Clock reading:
5 h 30 min
